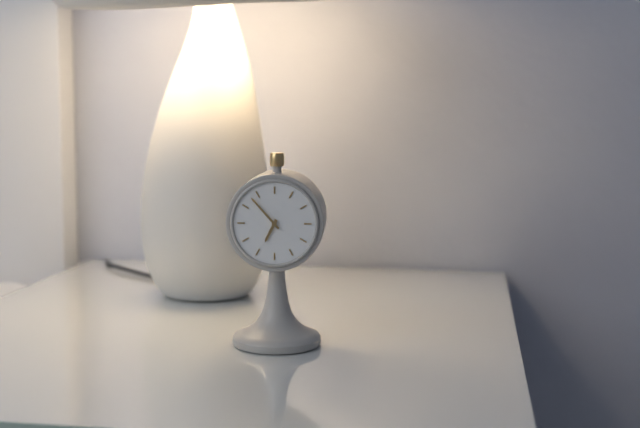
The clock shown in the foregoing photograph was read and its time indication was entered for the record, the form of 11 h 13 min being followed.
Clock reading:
6 h 53 min
